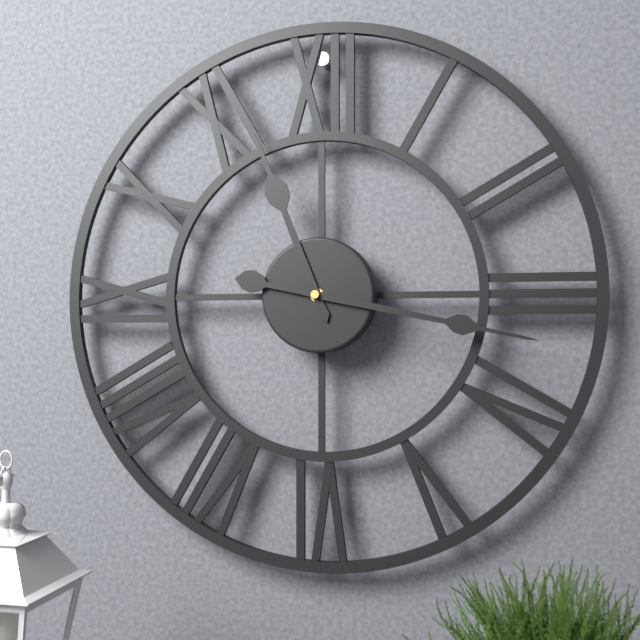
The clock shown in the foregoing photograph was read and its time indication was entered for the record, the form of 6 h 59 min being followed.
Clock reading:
11 h 17 min
